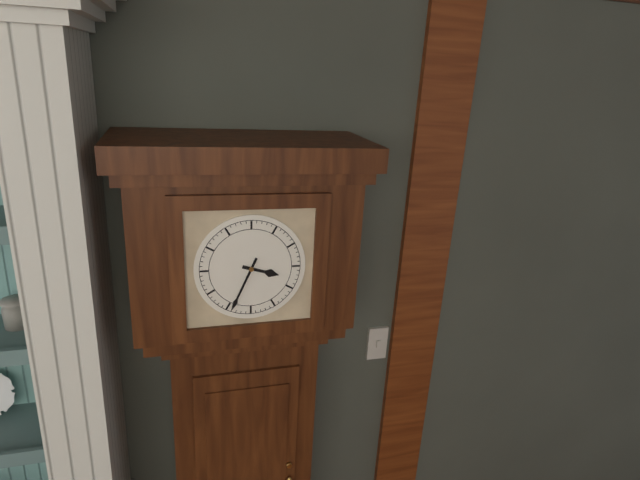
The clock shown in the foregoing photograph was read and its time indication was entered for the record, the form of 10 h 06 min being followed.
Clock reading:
3 h 34 min
